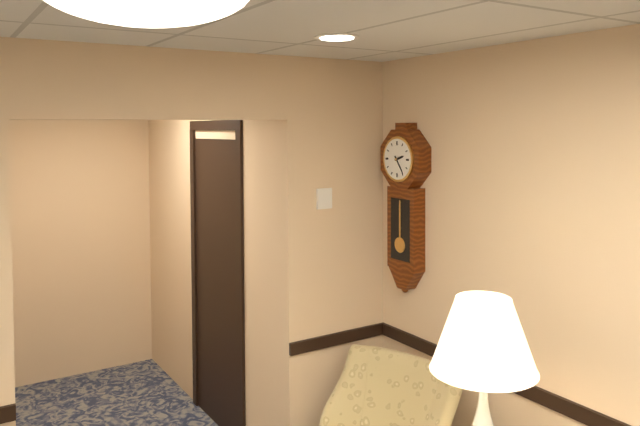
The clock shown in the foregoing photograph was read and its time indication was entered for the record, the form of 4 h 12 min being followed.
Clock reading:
2 h 24 min
